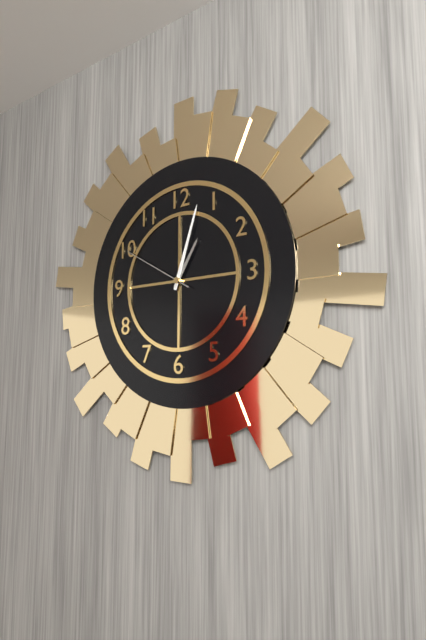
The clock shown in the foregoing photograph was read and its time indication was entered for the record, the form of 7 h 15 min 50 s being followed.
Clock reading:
1 h 03 min 50 s
